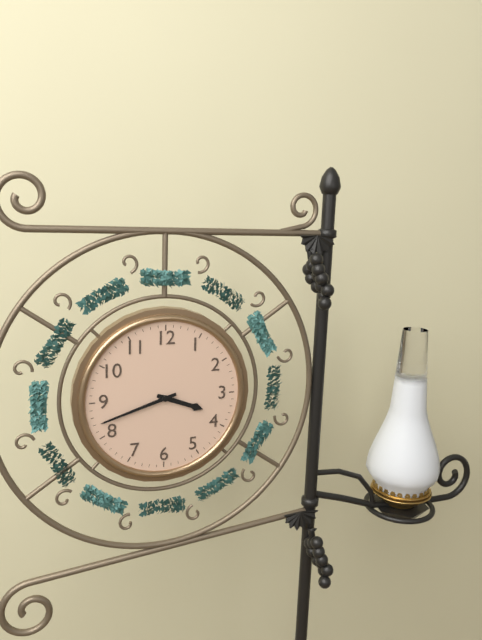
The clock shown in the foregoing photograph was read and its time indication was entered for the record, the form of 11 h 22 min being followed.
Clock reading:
3 h 42 min
